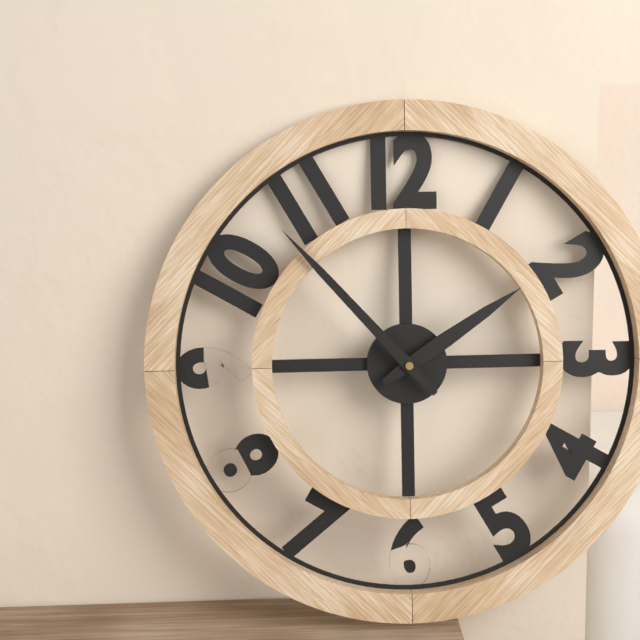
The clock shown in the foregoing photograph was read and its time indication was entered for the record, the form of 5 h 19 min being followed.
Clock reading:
1 h 53 min
